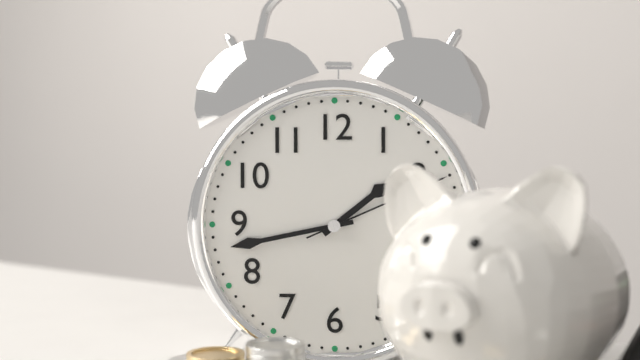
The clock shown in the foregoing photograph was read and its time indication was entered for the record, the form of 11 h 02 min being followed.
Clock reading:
1 h 43 min
